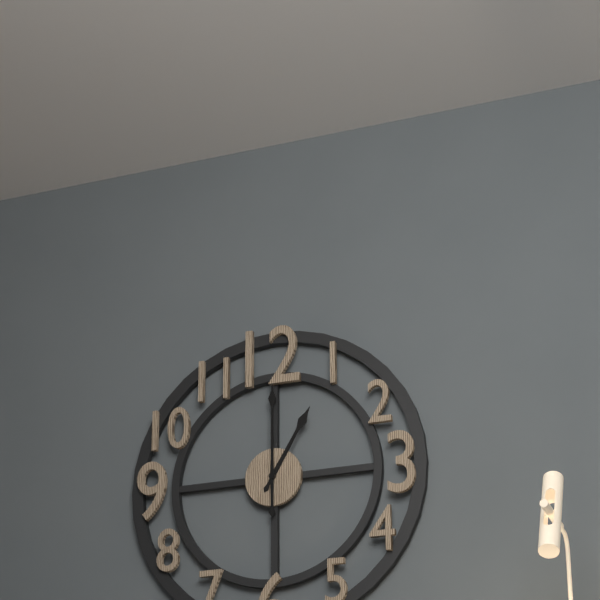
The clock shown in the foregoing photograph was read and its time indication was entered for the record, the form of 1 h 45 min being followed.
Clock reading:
1 h 00 min
